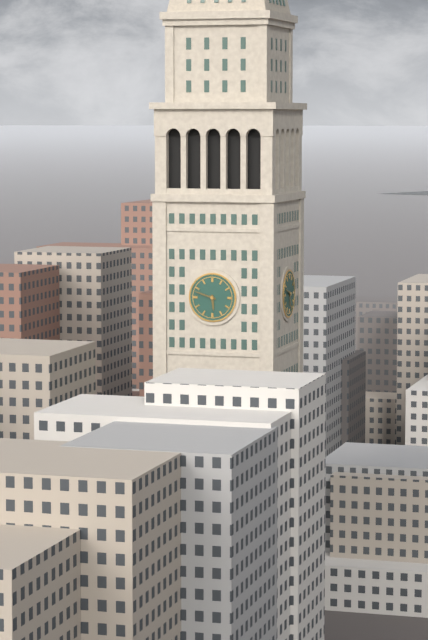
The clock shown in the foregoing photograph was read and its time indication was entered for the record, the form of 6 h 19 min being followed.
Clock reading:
5 h 48 min
